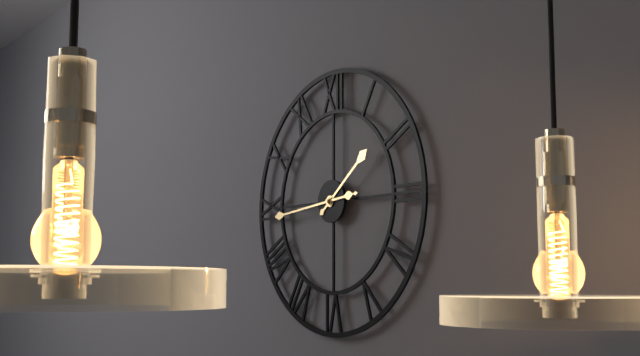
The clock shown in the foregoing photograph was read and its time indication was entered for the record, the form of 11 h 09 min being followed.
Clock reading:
1 h 44 min
